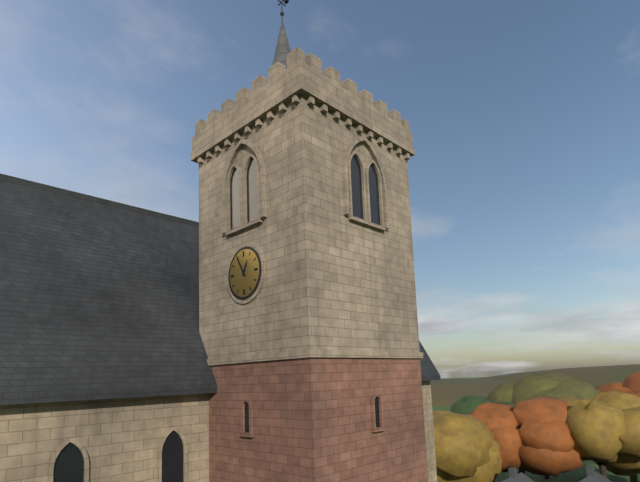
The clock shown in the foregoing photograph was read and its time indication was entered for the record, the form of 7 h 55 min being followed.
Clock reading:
12 h 55 min
